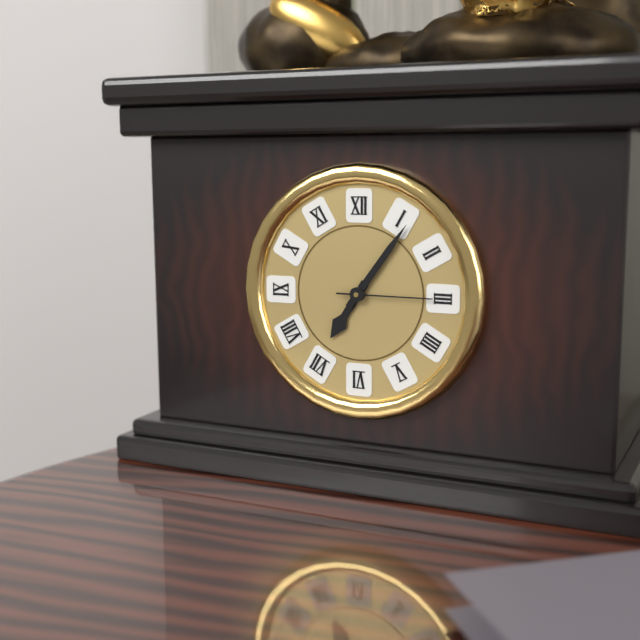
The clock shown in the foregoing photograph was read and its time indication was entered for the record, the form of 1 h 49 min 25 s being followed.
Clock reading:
7 h 06 min 15 s
